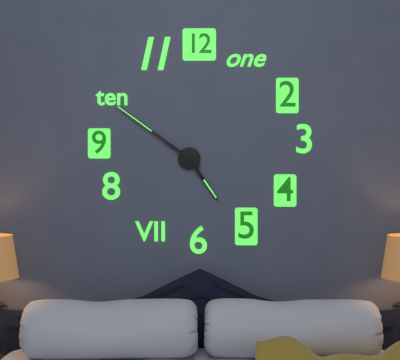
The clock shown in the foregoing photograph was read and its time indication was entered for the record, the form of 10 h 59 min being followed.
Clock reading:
4 h 51 min
